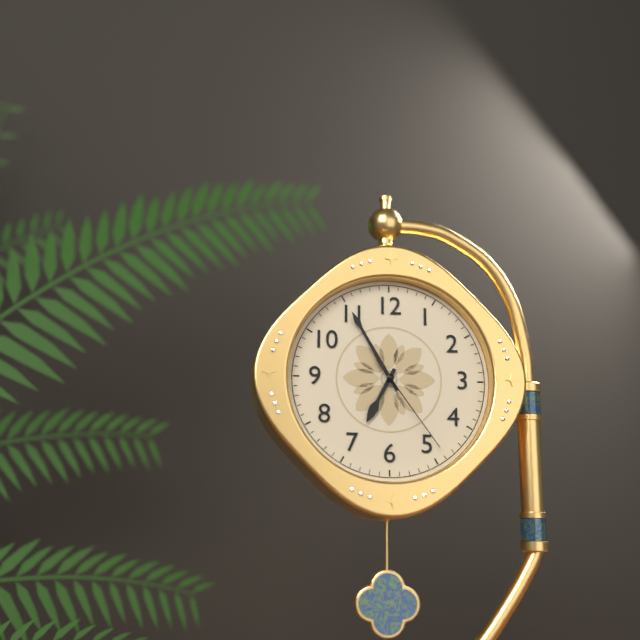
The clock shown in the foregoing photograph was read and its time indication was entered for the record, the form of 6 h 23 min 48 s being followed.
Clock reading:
6 h 55 min 24 s
